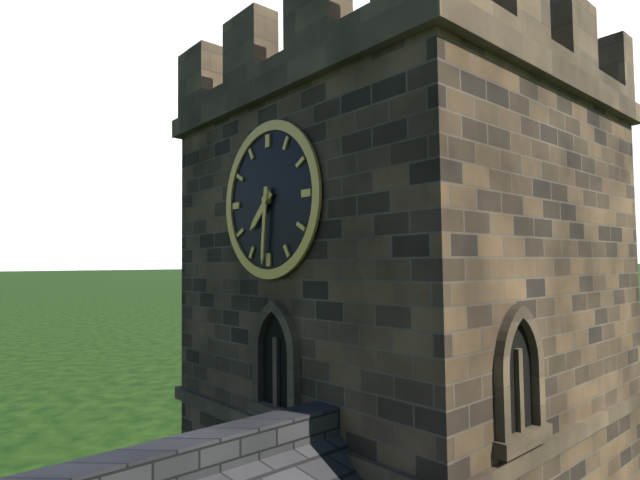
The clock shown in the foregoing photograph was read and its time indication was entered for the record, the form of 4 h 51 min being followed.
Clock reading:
7 h 31 min
